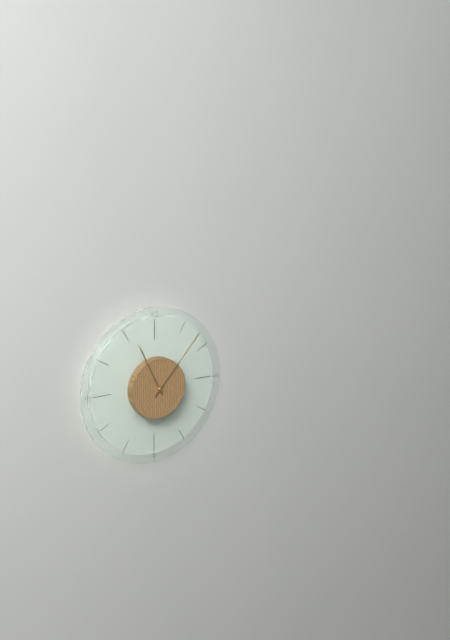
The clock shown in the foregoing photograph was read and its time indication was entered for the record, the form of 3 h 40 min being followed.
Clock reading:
11 h 07 min
